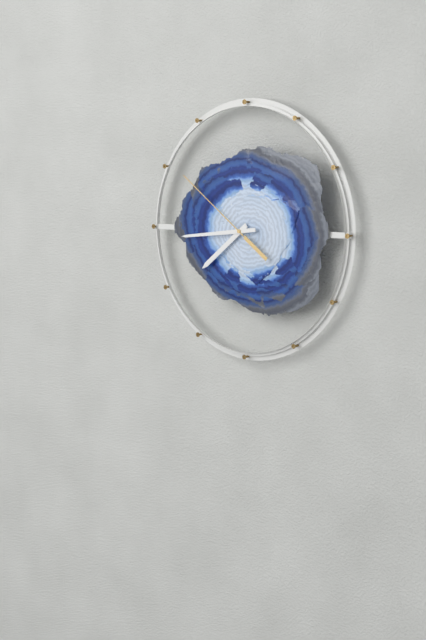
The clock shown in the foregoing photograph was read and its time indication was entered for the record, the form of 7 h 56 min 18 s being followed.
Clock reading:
7 h 44 min 51 s
